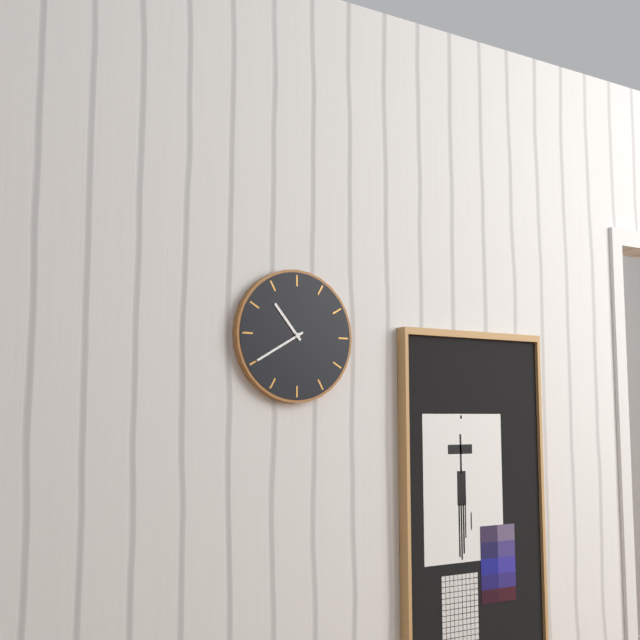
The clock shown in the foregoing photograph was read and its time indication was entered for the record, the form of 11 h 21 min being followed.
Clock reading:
10 h 40 min
